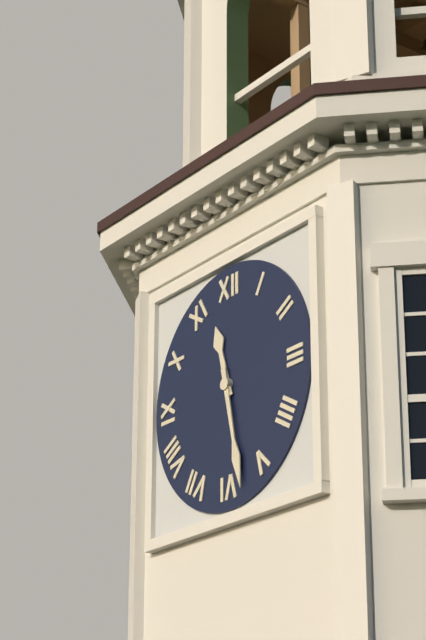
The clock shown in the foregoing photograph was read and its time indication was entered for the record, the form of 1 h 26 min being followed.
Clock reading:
11 h 28 min
